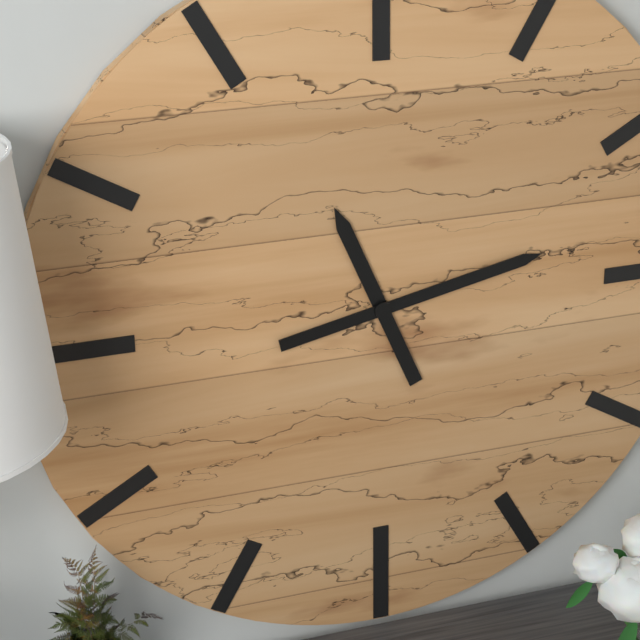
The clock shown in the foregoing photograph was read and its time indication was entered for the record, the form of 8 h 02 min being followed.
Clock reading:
11 h 13 min
